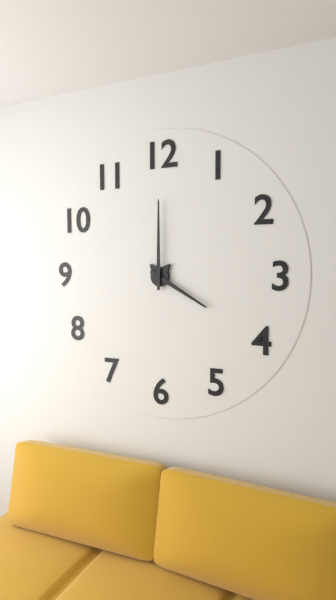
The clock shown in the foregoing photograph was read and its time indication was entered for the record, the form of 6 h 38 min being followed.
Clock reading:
4 h 00 min
